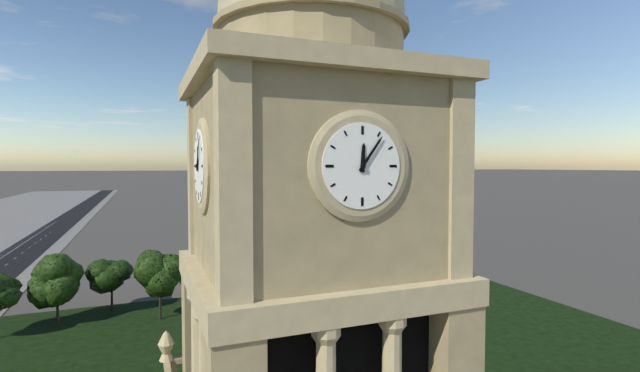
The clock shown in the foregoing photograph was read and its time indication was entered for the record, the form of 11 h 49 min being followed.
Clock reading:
12 h 06 min
